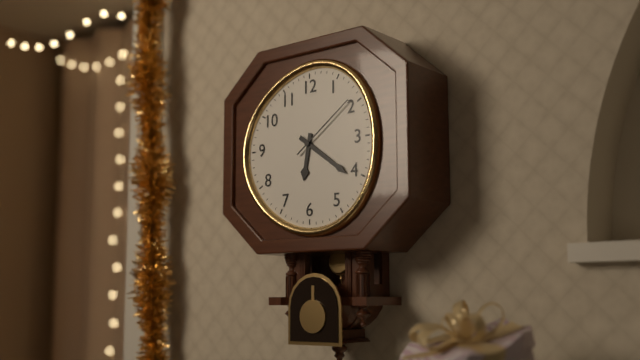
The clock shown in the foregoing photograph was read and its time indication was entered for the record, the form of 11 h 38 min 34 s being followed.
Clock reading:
6 h 21 min 09 s
